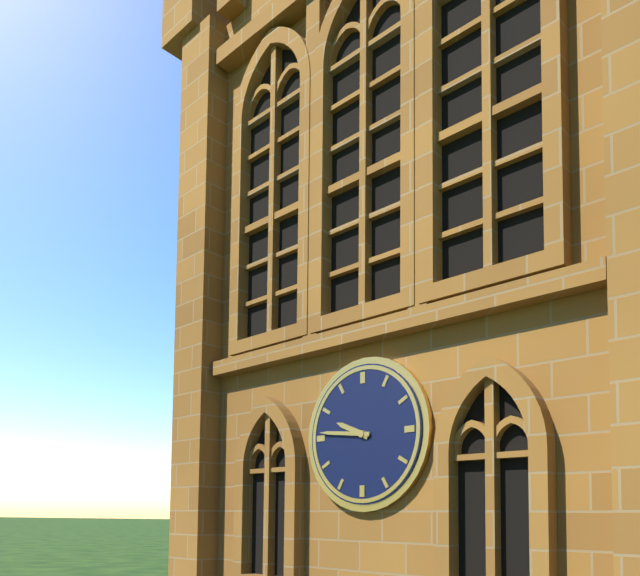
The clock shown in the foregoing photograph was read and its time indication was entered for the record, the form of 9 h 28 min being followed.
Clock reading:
9 h 46 min
